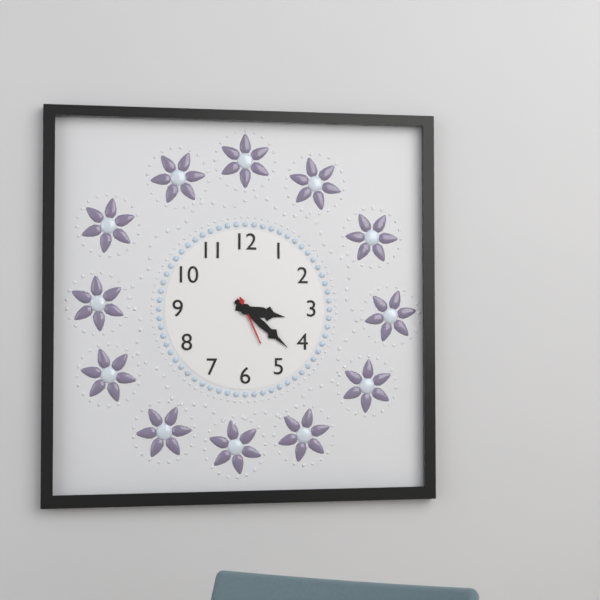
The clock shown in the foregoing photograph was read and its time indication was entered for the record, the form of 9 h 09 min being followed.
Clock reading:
3 h 22 min
